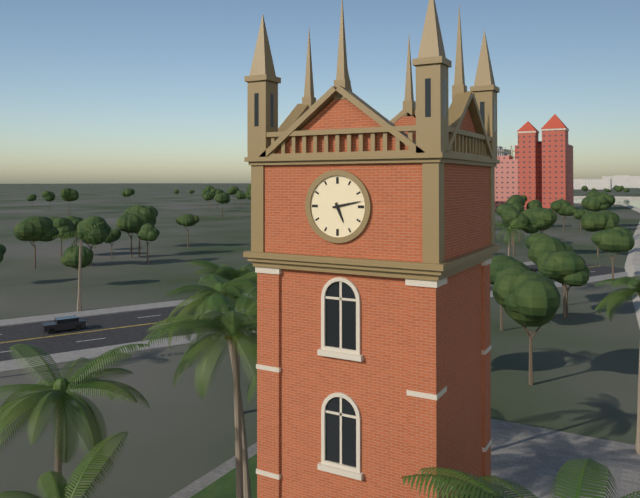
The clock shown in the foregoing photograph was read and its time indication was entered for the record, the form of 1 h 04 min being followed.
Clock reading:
5 h 13 min
